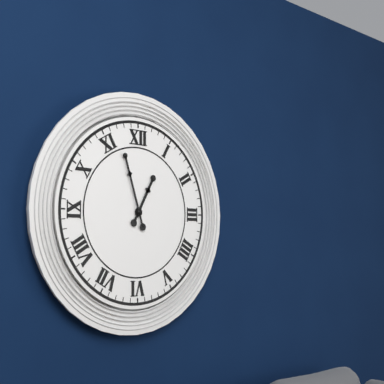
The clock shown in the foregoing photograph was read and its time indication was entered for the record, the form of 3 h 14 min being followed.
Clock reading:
12 h 57 min
